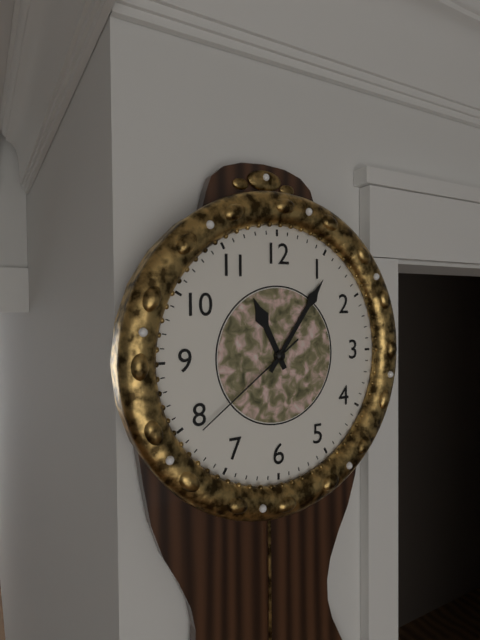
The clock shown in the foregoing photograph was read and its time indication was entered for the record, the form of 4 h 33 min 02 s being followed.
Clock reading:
11 h 06 min 39 s
